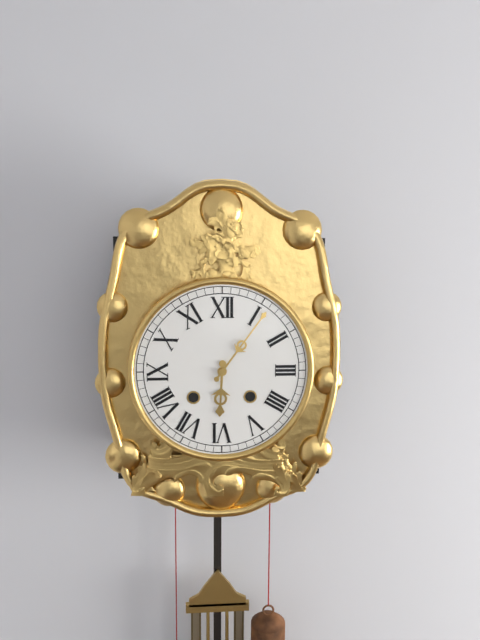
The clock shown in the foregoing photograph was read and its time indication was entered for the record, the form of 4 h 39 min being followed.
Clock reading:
6 h 06 min
